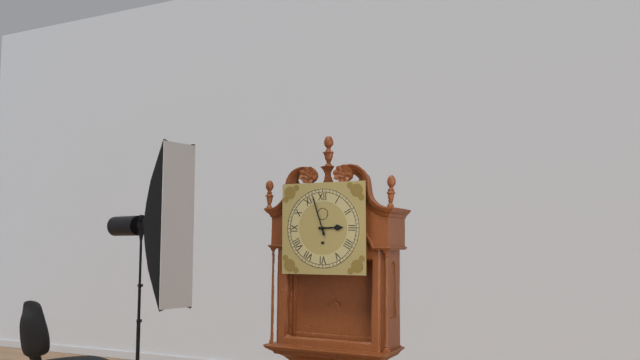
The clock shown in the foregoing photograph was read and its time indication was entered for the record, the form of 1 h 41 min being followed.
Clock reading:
2 h 57 min
